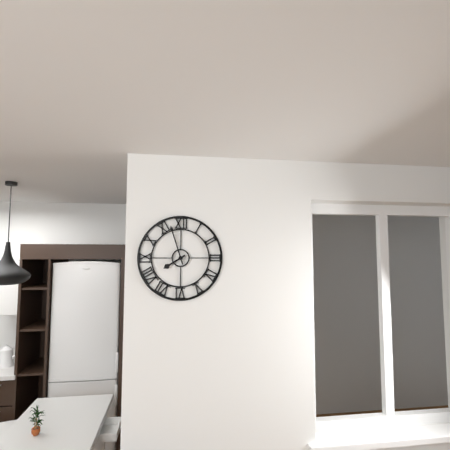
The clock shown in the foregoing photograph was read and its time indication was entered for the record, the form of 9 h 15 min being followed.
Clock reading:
7 h 57 min
